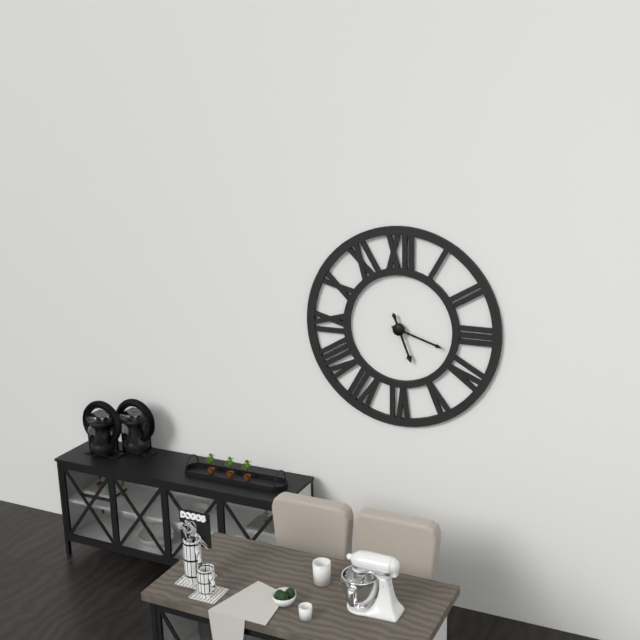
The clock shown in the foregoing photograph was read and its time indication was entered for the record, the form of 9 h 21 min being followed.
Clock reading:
5 h 18 min
